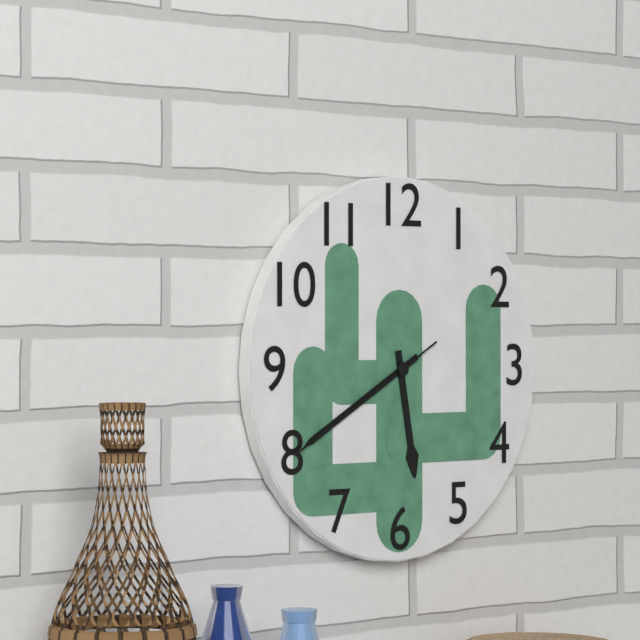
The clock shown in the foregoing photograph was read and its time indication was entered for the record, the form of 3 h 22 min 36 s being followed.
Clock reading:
5 h 40 min 40 s
